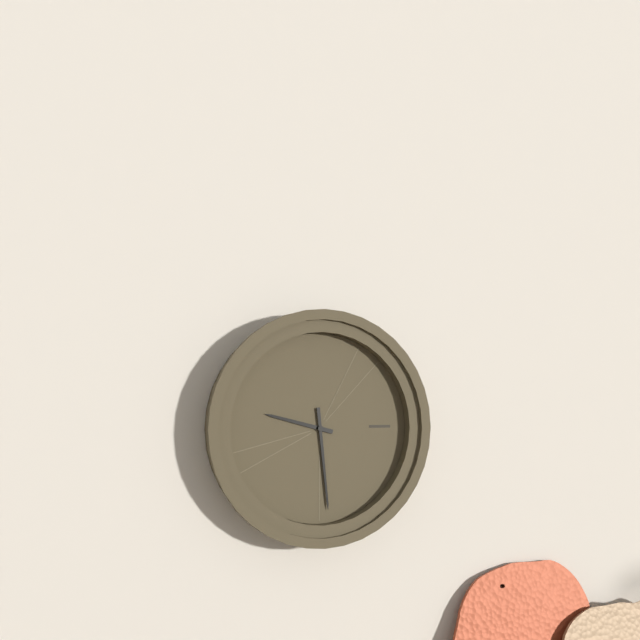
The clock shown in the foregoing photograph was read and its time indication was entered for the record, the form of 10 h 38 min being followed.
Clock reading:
9 h 29 min
